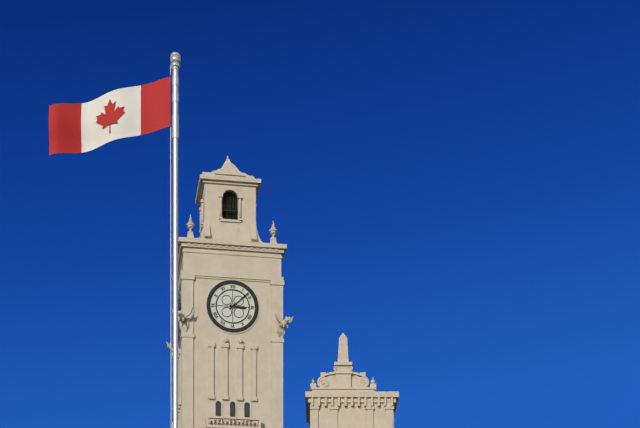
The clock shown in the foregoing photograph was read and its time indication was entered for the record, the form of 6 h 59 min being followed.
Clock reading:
3 h 08 min
